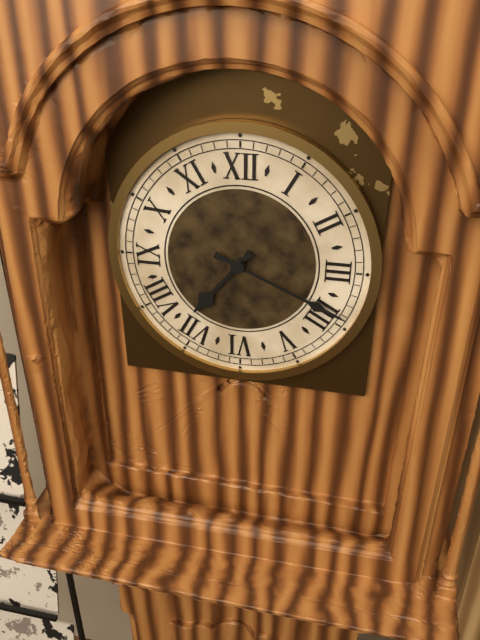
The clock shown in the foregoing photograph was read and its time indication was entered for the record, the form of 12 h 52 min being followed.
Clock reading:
7 h 19 min
